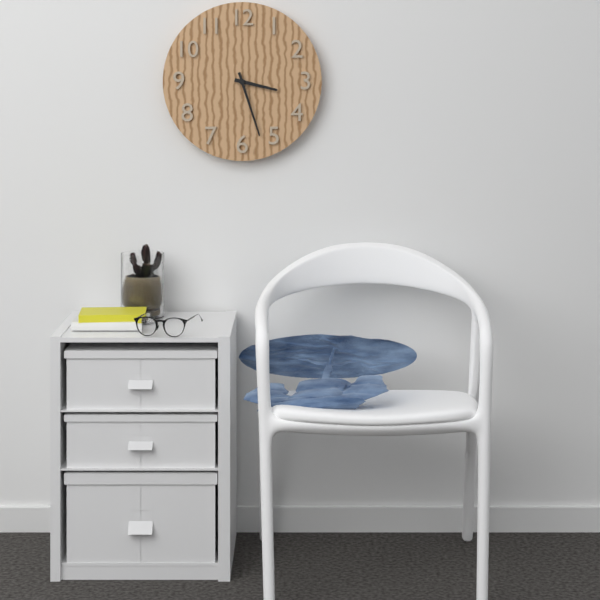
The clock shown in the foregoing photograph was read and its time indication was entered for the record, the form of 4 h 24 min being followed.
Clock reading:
3 h 27 min
